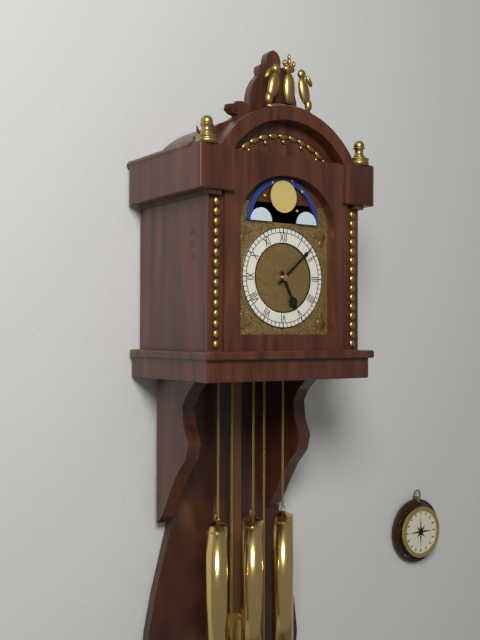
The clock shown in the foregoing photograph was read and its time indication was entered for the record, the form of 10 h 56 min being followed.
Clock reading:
5 h 08 min
